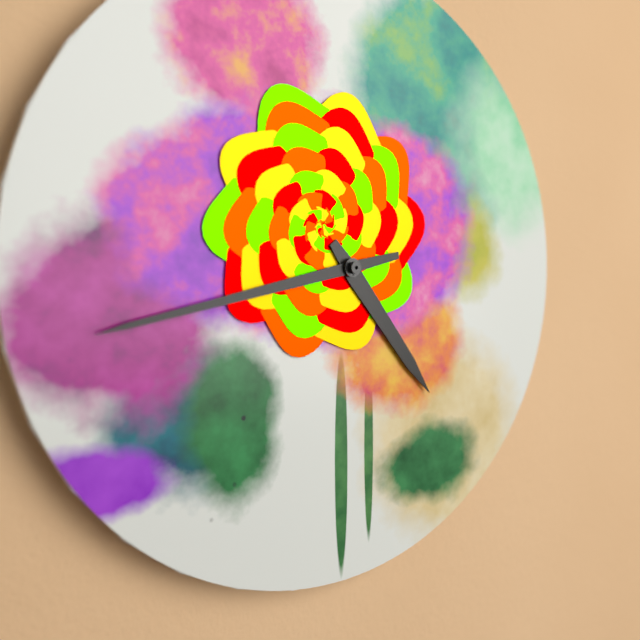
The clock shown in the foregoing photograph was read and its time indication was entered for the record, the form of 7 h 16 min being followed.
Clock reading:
4 h 43 min
